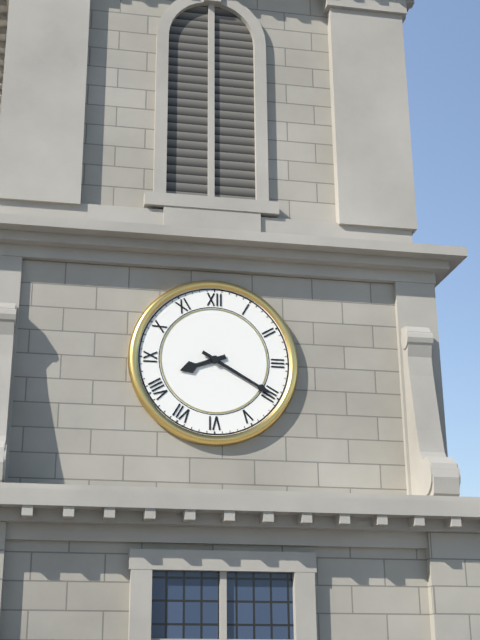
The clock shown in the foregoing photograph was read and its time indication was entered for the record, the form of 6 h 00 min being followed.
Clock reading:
8 h 20 min
